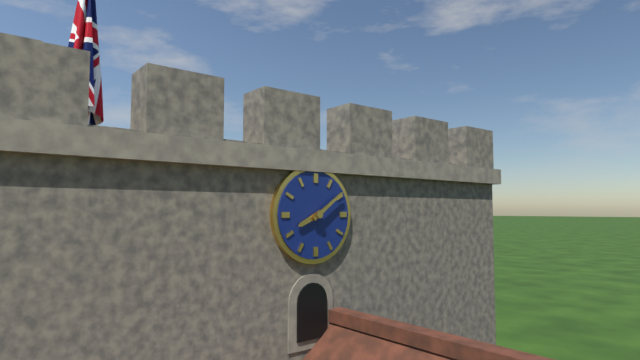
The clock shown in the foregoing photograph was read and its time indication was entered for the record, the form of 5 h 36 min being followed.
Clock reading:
8 h 09 min
